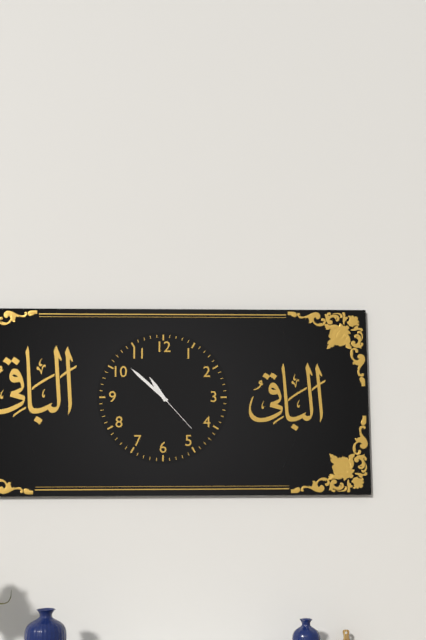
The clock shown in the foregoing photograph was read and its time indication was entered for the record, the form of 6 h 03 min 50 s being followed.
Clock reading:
10 h 52 min 23 s
